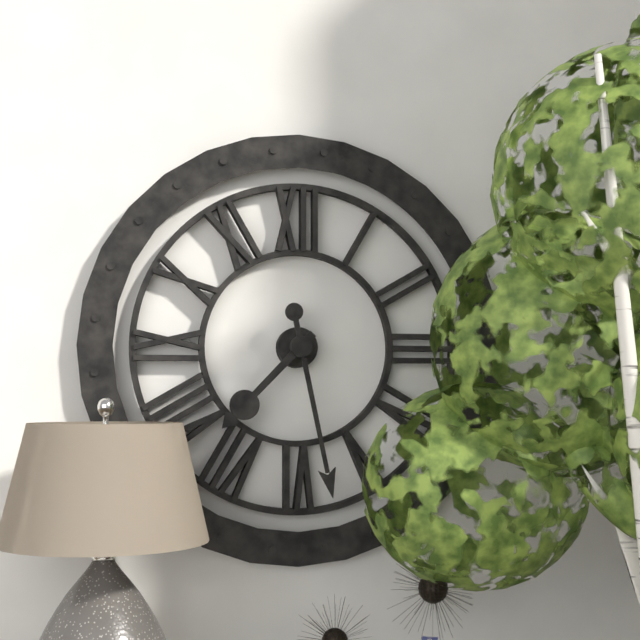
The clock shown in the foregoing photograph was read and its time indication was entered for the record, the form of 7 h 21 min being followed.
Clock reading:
7 h 28 min
